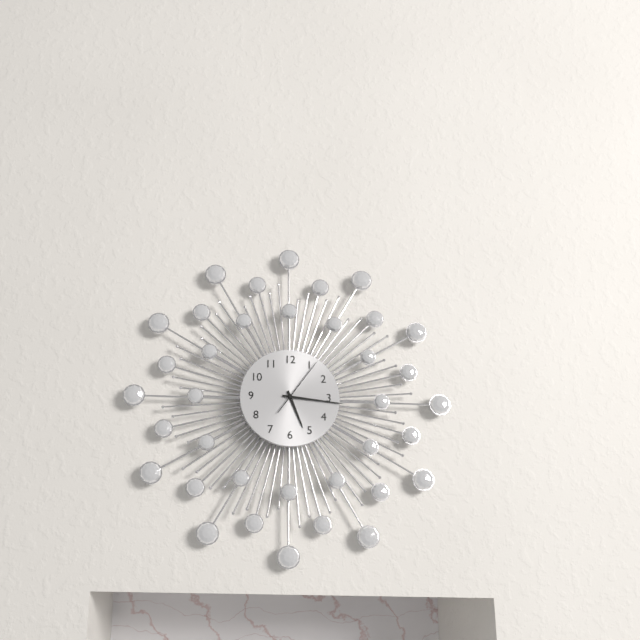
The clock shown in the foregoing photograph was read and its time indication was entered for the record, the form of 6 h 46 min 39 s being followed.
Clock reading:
5 h 16 min 06 s
